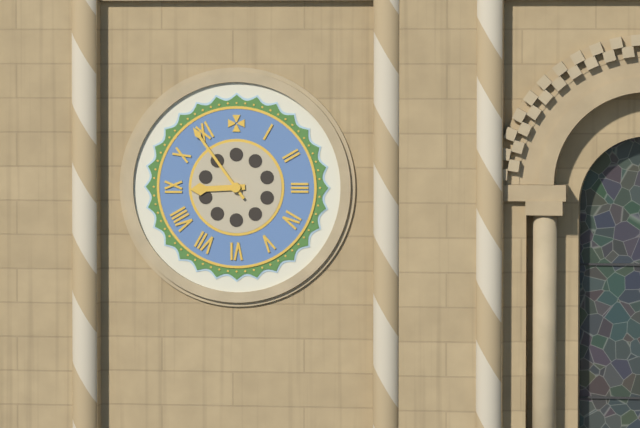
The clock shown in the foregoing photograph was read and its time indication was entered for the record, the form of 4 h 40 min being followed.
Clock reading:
8 h 54 min
